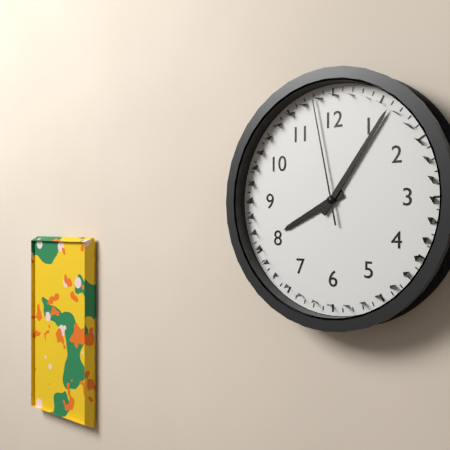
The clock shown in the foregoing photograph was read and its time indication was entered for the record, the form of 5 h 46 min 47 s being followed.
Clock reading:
8 h 06 min 58 s
